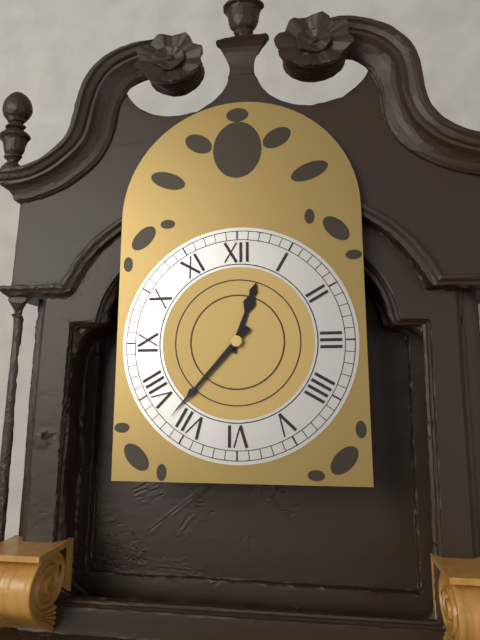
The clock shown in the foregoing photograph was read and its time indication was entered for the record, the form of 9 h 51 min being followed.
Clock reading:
12 h 37 min
